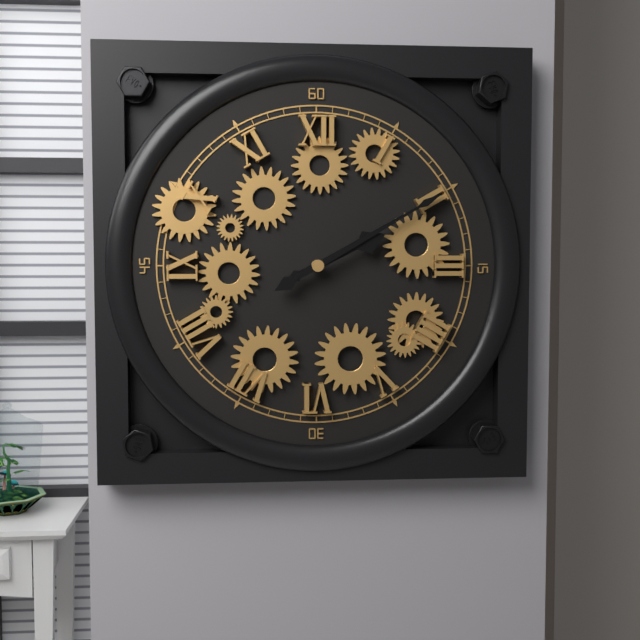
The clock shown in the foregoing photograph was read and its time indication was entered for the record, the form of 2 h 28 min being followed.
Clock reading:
2 h 10 min
